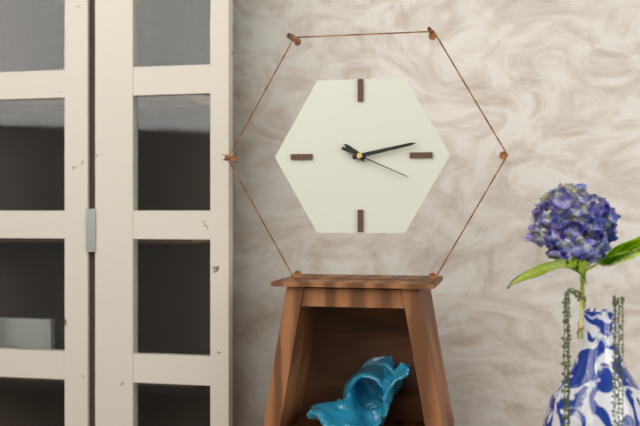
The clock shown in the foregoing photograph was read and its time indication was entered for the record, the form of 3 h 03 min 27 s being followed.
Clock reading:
10 h 13 min 19 s
